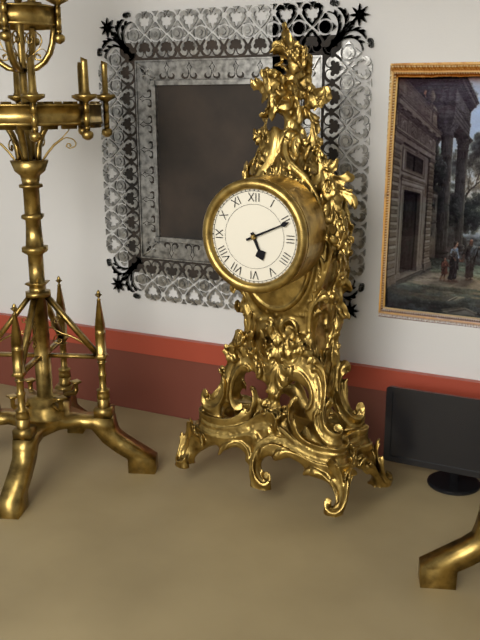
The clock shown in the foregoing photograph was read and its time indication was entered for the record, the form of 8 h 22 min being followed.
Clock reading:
5 h 11 min
